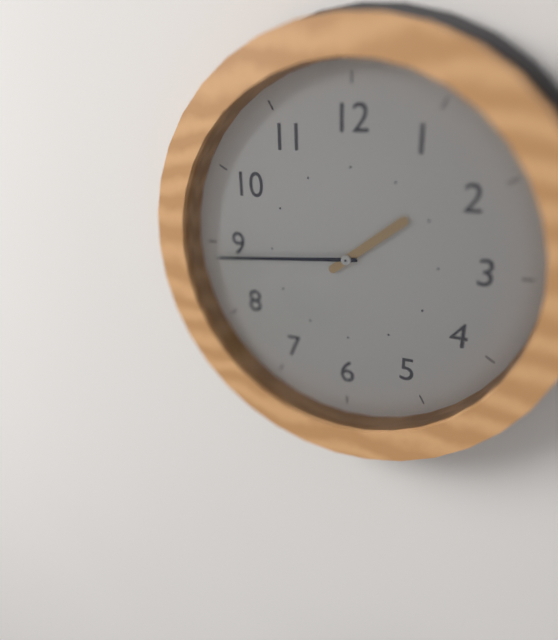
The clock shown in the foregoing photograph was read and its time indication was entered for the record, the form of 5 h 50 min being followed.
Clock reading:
1 h 44 min
